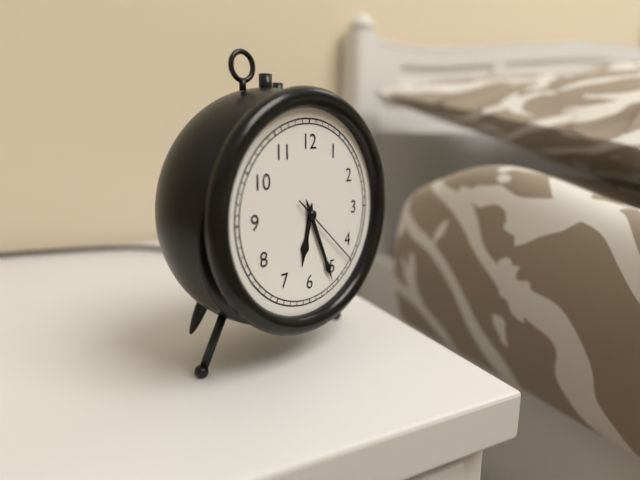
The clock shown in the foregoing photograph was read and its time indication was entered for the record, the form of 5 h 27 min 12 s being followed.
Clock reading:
6 h 26 min 22 s
